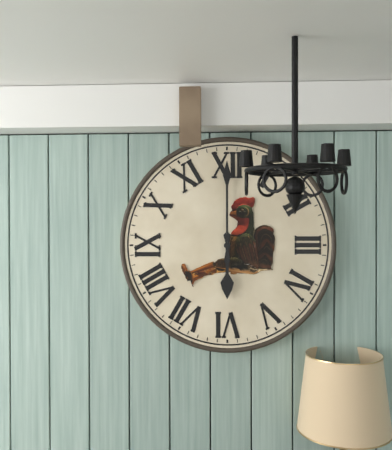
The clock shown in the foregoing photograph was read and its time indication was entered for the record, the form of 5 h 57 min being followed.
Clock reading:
6 h 00 min
